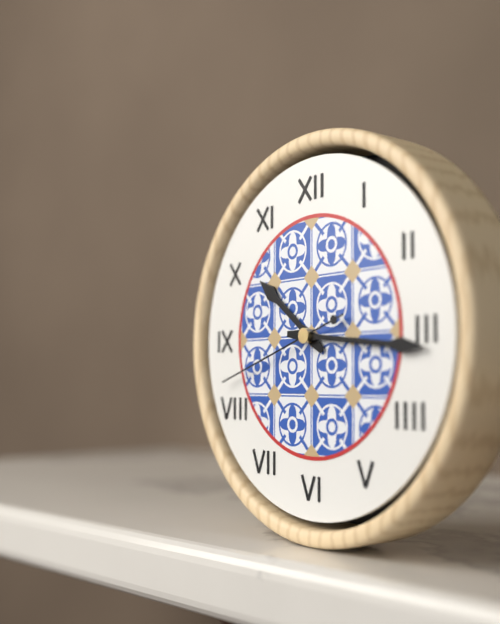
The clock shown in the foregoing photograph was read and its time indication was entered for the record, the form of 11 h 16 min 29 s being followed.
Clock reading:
10 h 16 min 42 s
